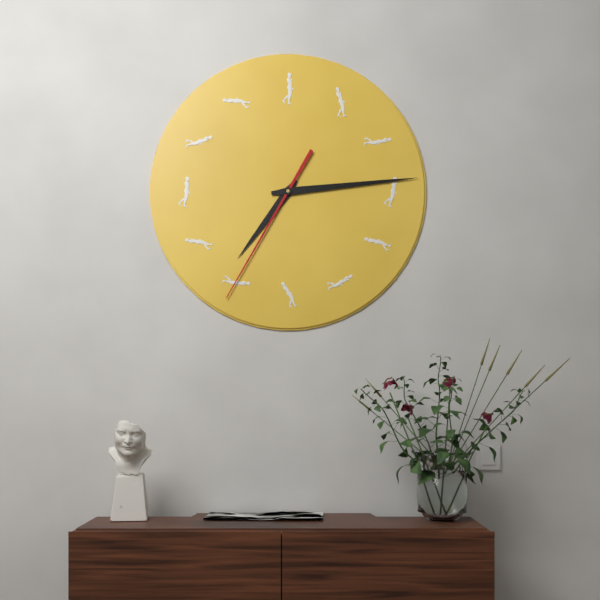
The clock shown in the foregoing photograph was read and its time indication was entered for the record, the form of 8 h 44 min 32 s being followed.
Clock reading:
7 h 14 min 35 s
